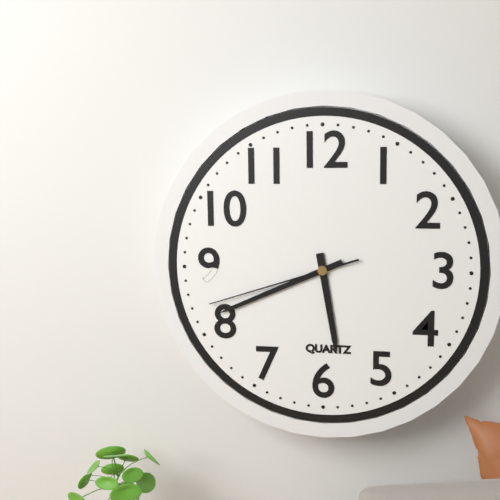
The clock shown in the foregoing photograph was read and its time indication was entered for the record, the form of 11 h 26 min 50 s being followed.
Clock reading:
5 h 41 min 42 s
